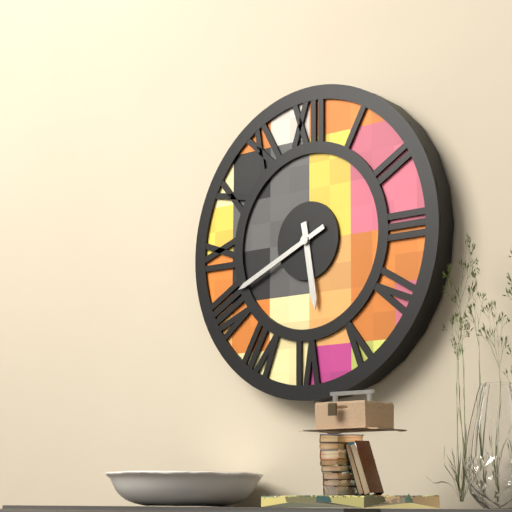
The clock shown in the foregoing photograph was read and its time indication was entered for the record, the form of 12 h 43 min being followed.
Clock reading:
5 h 41 min
